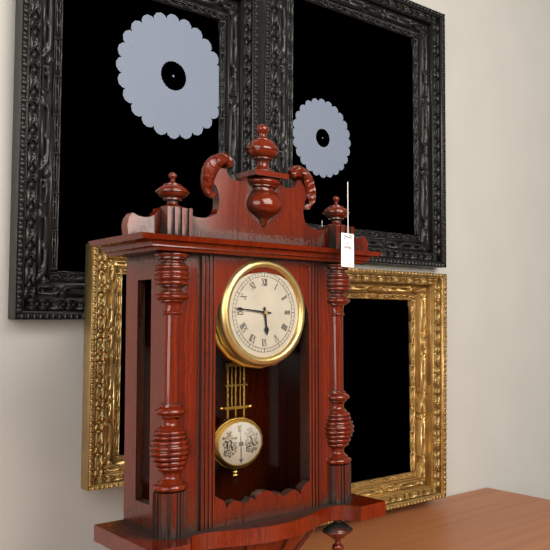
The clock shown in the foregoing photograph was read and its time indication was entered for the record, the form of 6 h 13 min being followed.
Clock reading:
5 h 46 min
